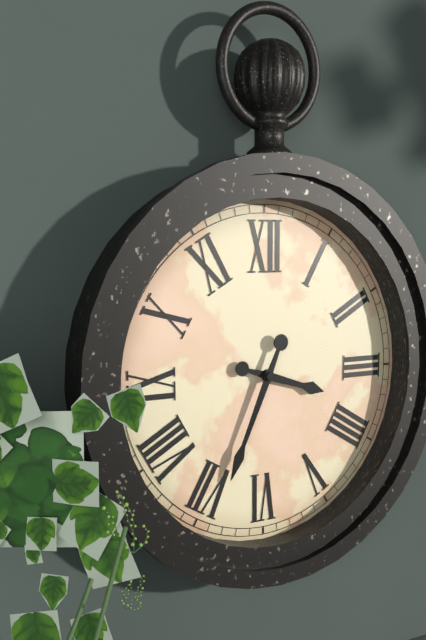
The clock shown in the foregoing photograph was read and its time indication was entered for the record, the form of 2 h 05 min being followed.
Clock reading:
3 h 34 min
